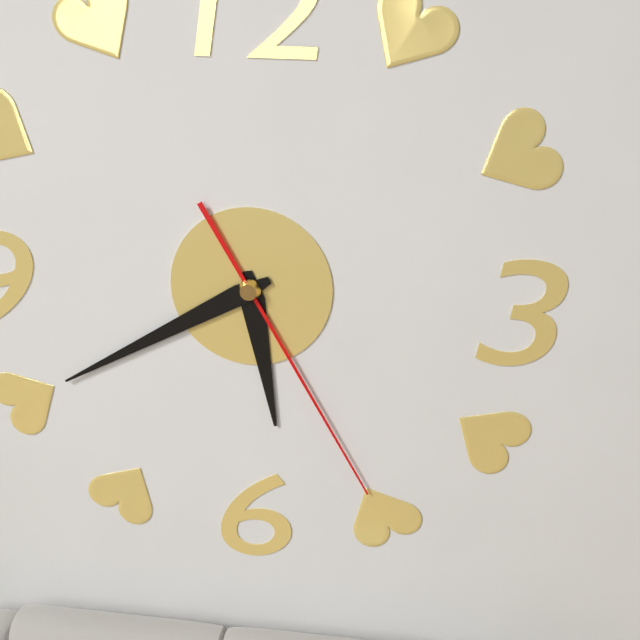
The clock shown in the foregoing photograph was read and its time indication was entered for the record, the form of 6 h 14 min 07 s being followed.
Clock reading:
5 h 40 min 25 s
